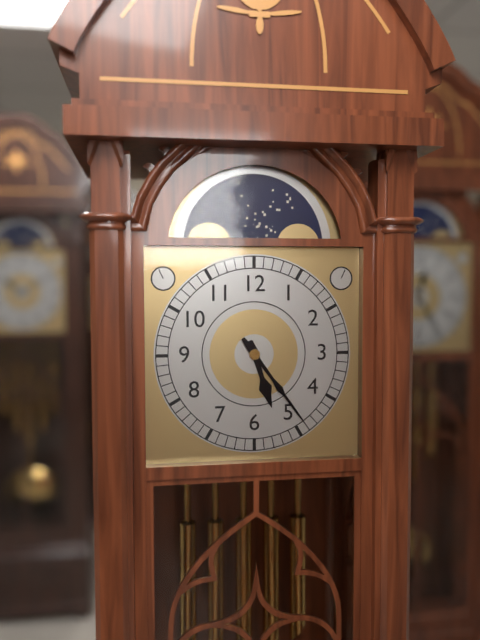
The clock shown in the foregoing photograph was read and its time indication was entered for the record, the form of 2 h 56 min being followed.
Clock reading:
5 h 24 min
